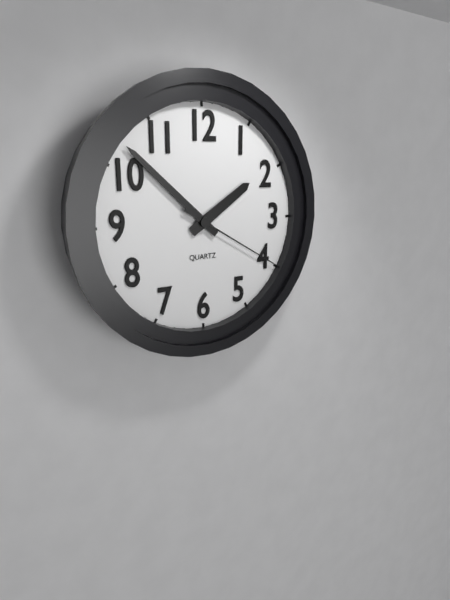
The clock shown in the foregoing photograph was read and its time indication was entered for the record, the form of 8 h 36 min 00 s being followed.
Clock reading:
1 h 52 min 20 s
